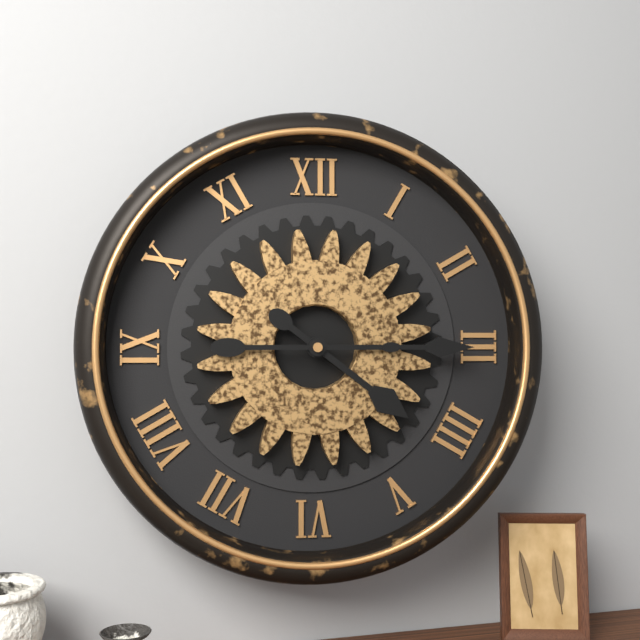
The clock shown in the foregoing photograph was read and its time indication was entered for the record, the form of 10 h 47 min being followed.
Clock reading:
4 h 15 min
